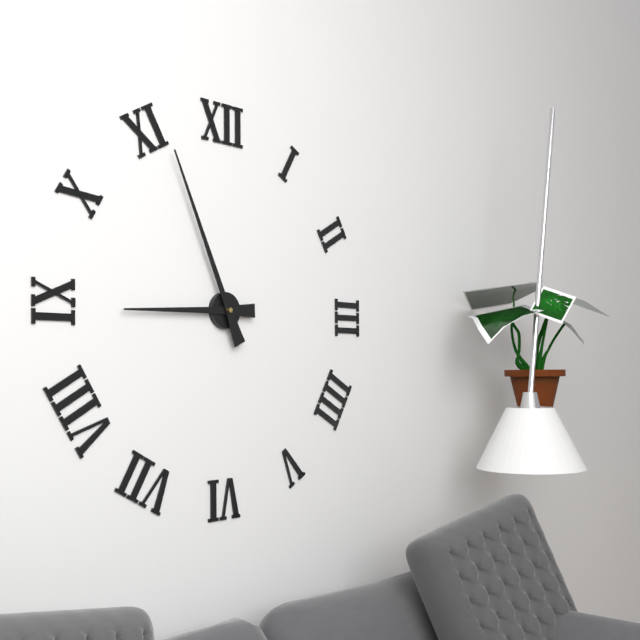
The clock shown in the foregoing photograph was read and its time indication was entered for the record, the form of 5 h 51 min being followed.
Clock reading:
8 h 56 min
